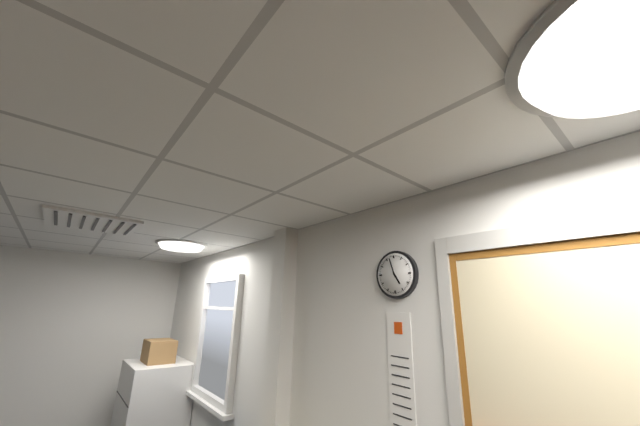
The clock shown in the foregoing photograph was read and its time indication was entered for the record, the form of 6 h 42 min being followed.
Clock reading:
4 h 57 min
